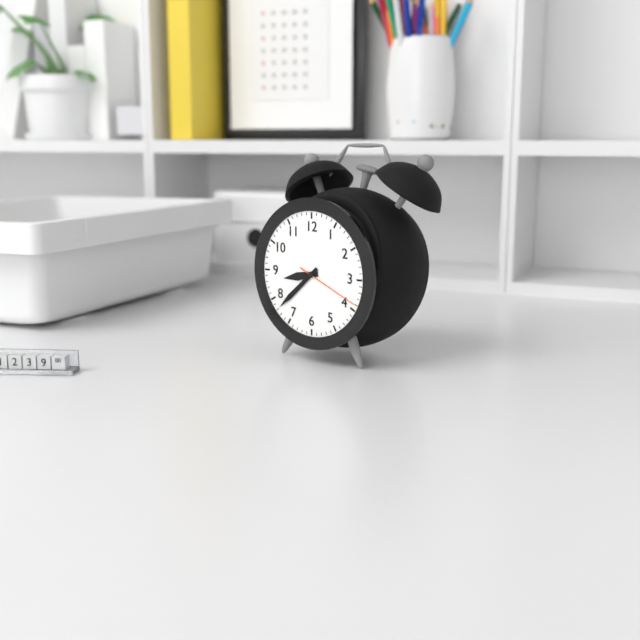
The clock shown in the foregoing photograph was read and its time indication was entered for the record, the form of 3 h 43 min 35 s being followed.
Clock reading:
8 h 38 min 19 s
